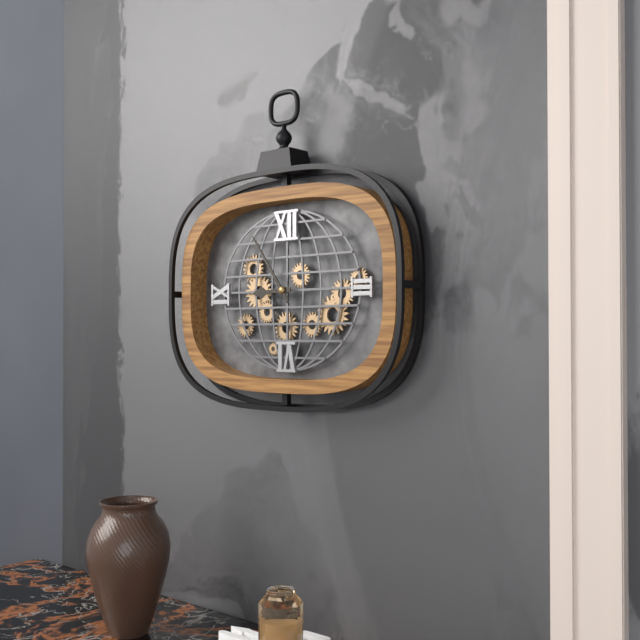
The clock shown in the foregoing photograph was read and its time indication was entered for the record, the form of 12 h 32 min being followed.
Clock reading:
8 h 54 min
